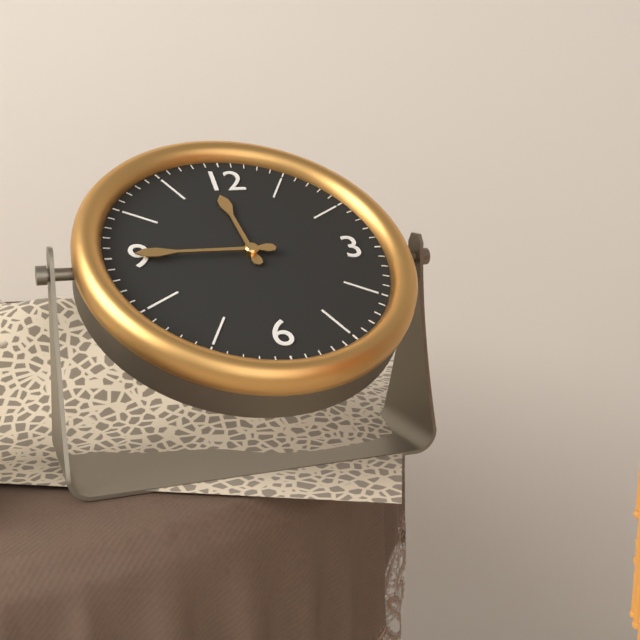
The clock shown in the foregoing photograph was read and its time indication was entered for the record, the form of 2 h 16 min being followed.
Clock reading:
11 h 45 min
